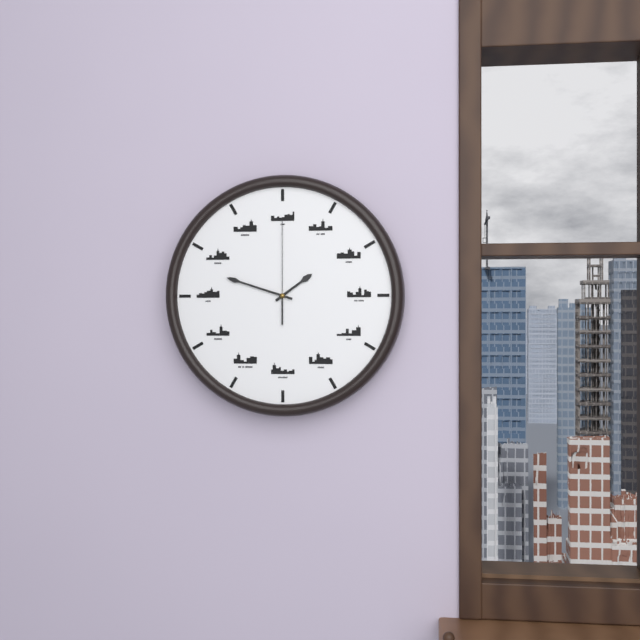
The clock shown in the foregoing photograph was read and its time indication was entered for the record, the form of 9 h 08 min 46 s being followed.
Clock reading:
1 h 48 min 00 s
